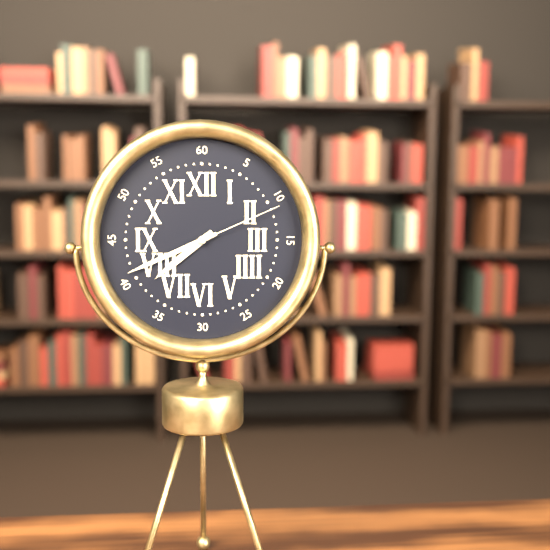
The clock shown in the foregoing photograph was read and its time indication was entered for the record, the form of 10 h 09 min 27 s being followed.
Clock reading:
7 h 41 min 11 s
